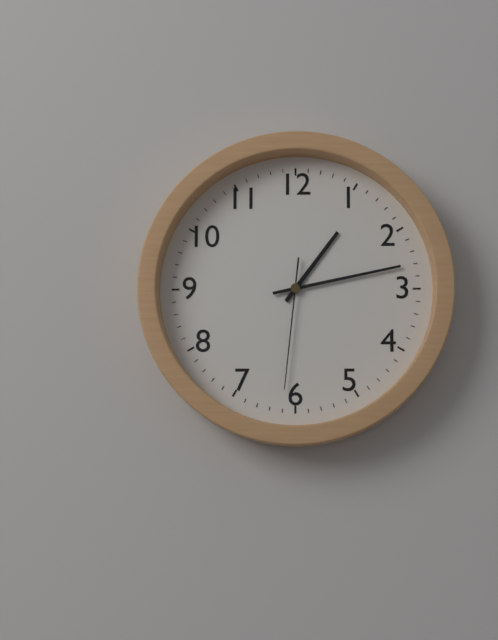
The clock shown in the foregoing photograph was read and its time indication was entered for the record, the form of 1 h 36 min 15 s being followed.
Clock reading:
1 h 13 min 31 s
